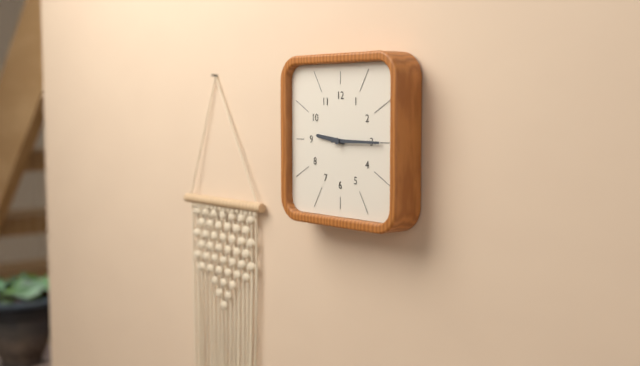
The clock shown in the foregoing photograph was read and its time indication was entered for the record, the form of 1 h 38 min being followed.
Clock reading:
9 h 15 min
